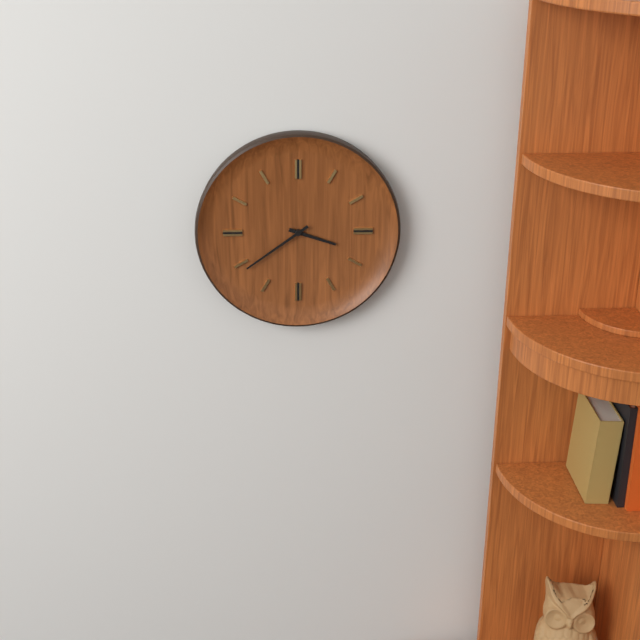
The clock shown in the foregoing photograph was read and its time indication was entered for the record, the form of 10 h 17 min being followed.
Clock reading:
3 h 39 min
